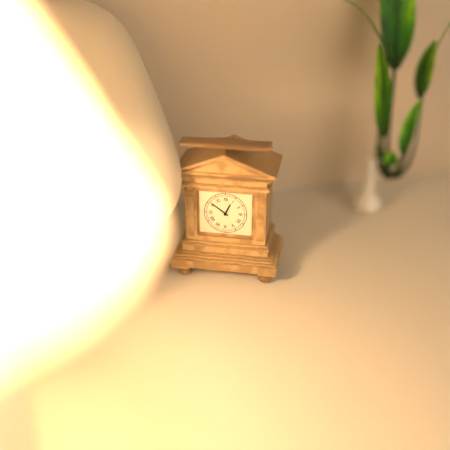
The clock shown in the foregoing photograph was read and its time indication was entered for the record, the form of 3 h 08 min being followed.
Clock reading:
12 h 51 min
